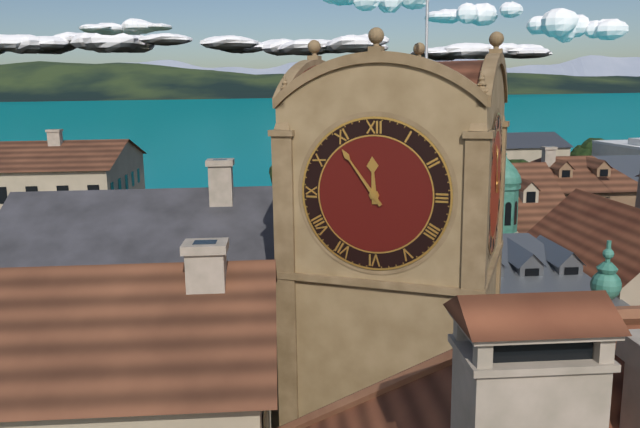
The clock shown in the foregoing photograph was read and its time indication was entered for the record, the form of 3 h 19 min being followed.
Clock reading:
11 h 54 min
